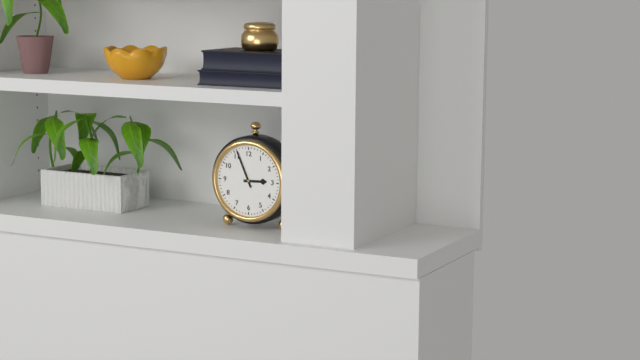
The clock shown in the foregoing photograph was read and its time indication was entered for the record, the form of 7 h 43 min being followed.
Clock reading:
2 h 56 min
